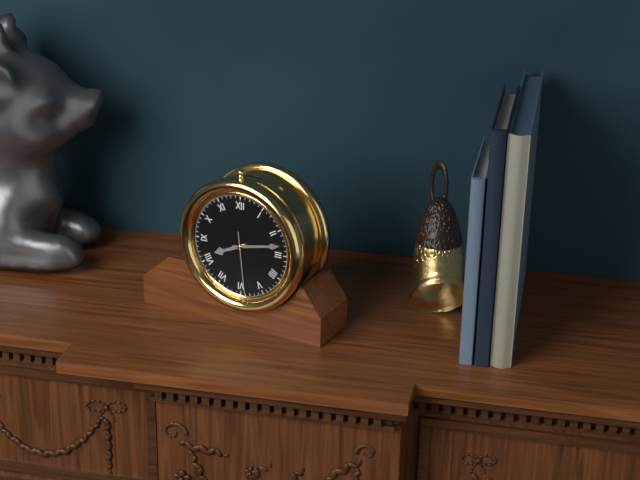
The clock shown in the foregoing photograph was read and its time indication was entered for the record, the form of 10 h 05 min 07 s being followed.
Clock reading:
8 h 13 min 29 s
